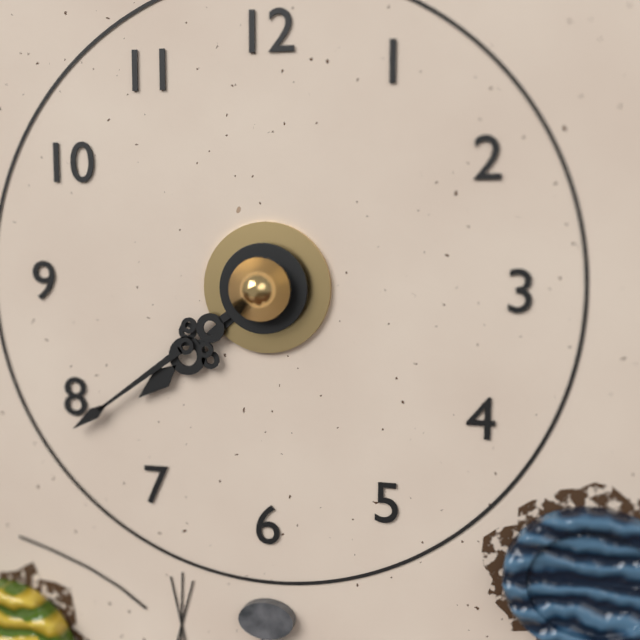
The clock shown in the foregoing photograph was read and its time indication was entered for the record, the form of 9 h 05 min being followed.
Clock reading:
7 h 39 min
